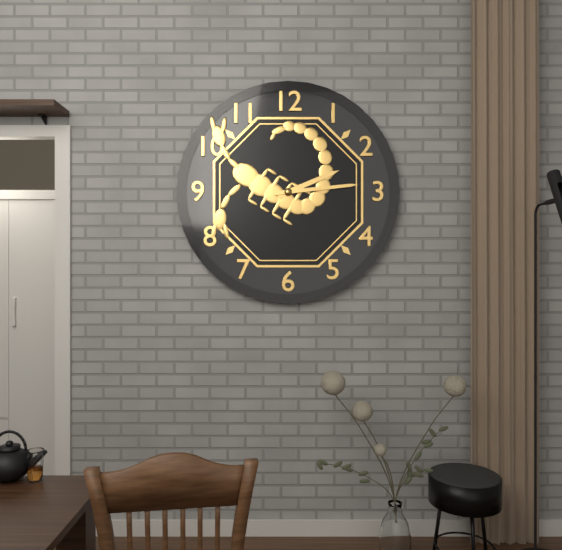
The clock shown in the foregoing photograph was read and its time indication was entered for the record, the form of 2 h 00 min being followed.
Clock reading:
2 h 14 min
